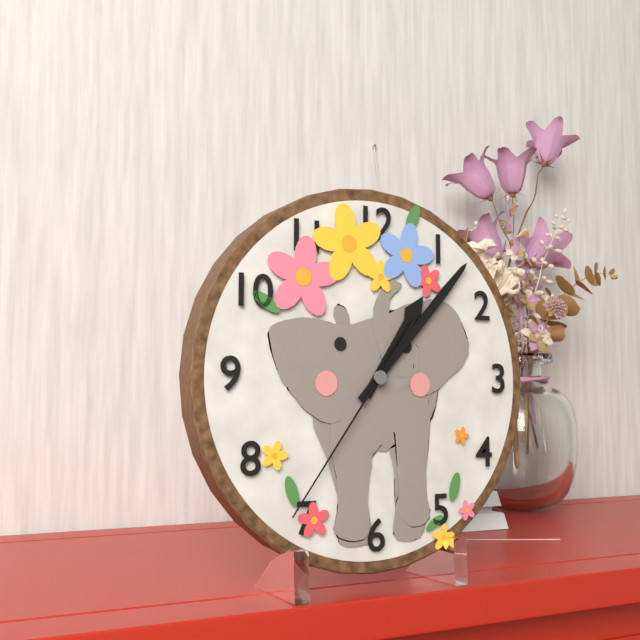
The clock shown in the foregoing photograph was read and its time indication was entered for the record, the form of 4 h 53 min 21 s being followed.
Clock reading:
1 h 07 min 36 s
